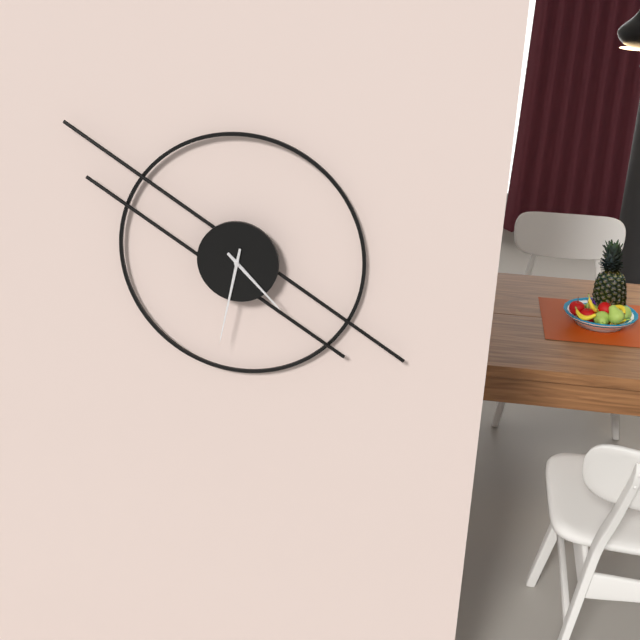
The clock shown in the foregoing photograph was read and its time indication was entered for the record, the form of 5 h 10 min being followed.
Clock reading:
4 h 32 min
